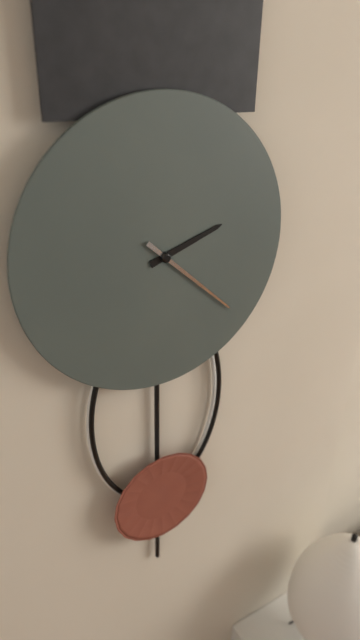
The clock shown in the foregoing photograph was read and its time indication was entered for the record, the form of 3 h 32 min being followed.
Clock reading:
2 h 22 min
